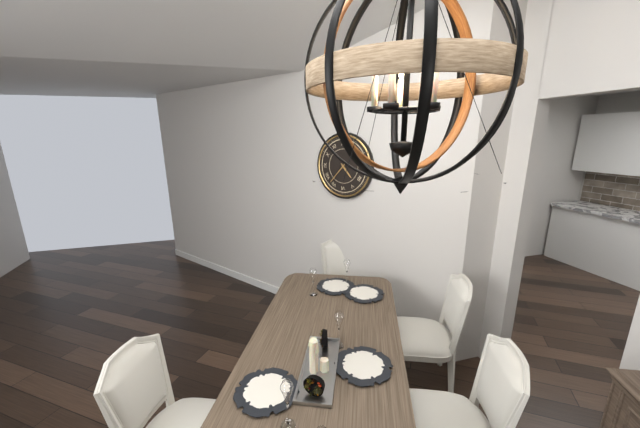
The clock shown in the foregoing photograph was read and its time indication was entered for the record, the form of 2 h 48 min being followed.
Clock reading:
4 h 37 min
